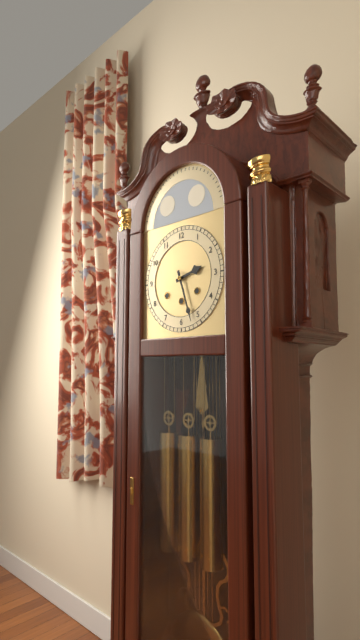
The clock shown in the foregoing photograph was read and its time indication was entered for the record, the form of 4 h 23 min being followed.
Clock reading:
2 h 27 min
